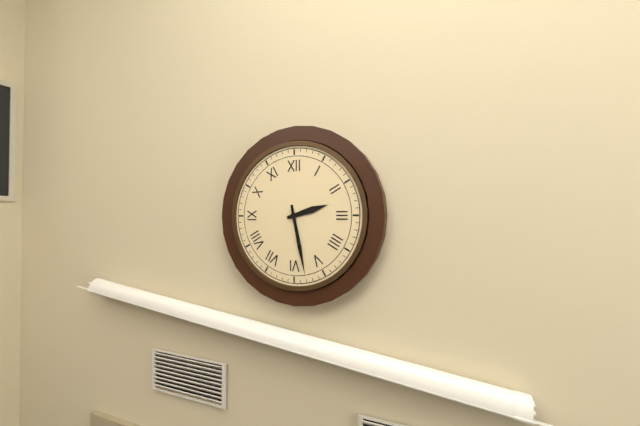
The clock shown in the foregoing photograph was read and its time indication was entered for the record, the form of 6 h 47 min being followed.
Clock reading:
2 h 28 min
